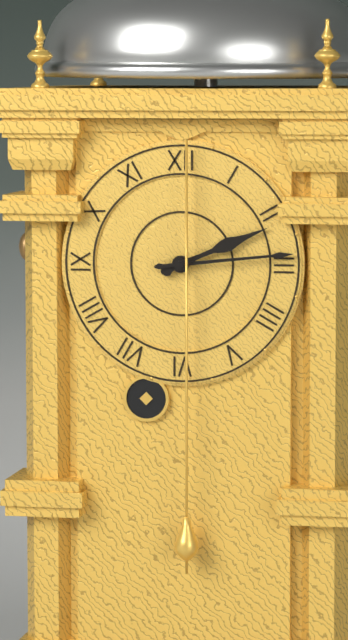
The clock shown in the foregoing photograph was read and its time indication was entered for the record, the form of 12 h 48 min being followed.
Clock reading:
2 h 14 min
